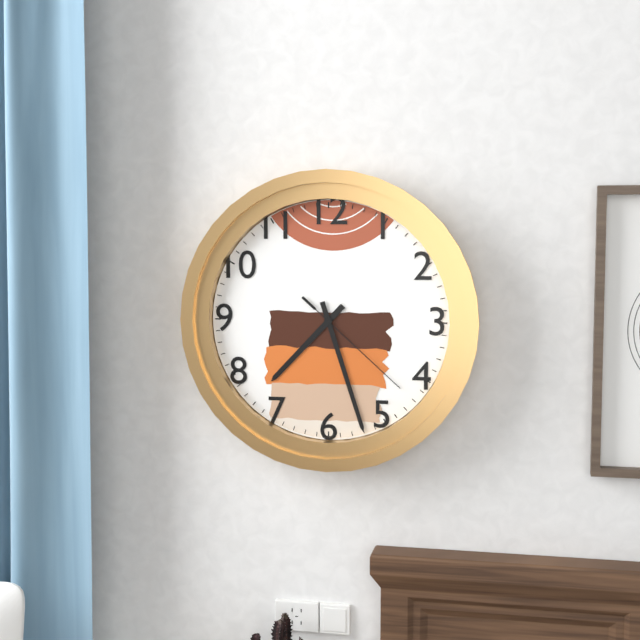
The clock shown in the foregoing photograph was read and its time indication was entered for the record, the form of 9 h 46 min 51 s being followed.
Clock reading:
7 h 27 min 22 s
